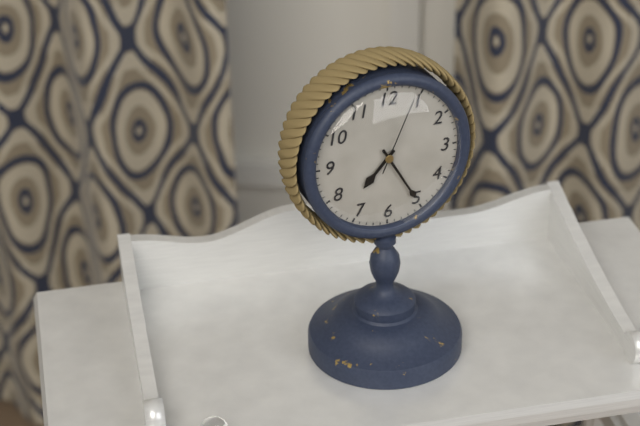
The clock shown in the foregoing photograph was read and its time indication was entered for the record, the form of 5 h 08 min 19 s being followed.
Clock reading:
7 h 25 min 04 s
